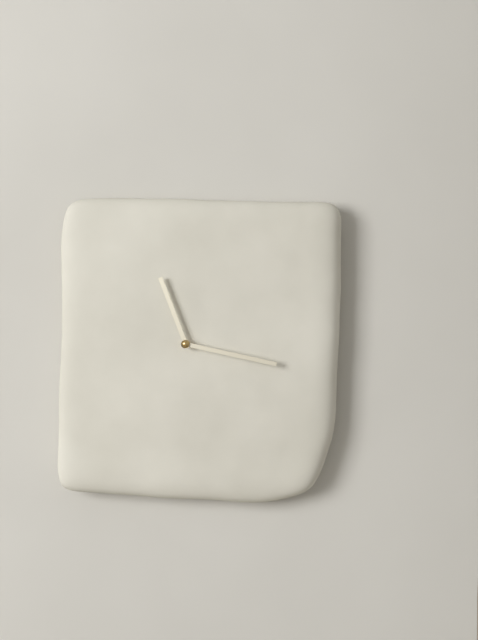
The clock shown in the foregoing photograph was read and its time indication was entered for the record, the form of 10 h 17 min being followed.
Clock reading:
11 h 17 min
